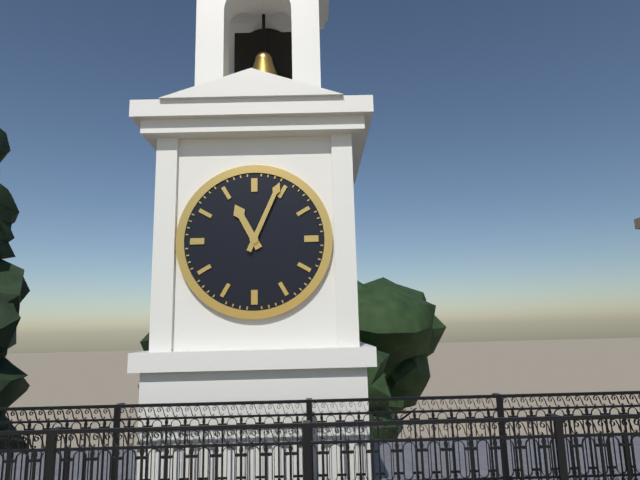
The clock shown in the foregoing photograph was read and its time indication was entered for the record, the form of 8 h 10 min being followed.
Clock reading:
11 h 04 min
